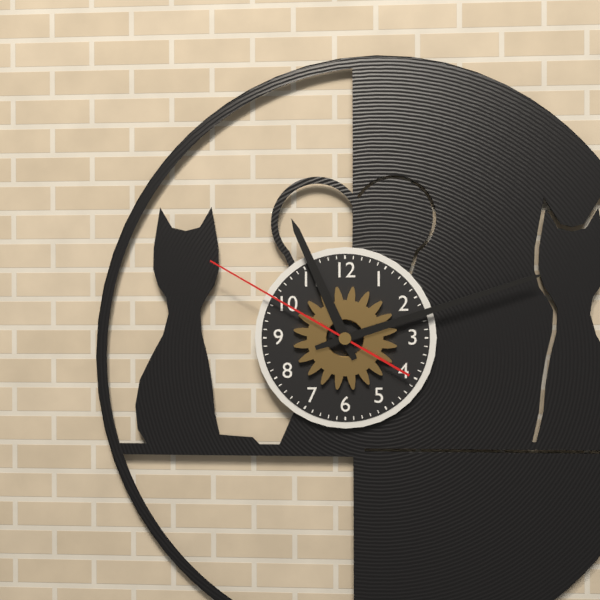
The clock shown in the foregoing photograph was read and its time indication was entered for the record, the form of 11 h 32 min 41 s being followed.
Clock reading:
11 h 12 min 50 s
